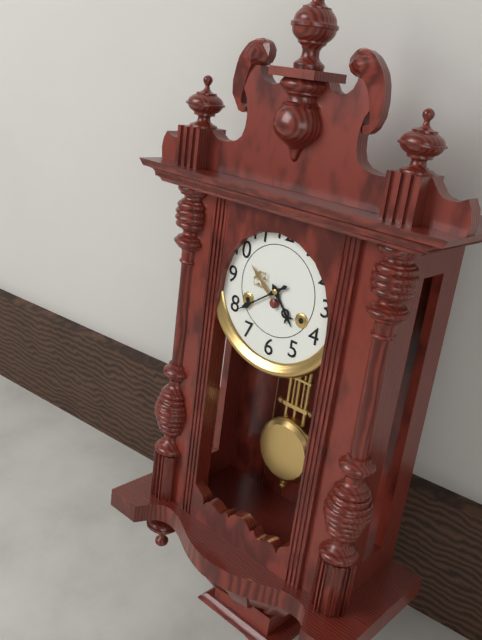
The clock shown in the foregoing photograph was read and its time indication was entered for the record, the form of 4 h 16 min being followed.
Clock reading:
4 h 39 min
